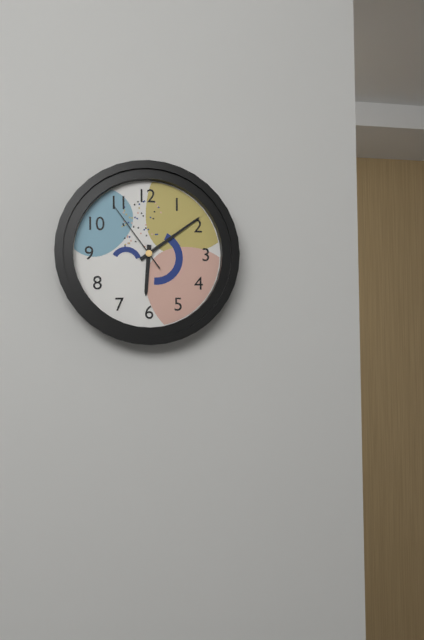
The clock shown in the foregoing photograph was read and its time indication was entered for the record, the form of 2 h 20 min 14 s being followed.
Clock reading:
6 h 09 min 54 s
